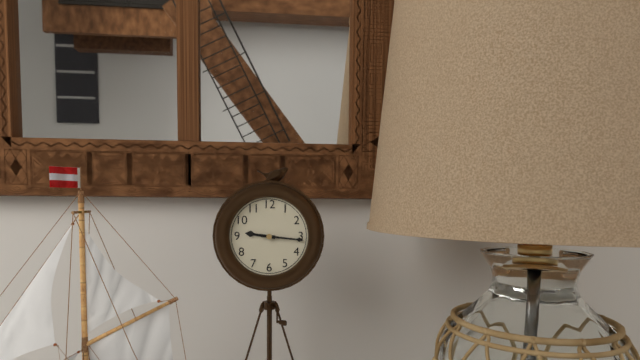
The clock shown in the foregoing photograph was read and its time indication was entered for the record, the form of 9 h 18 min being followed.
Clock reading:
9 h 16 min
